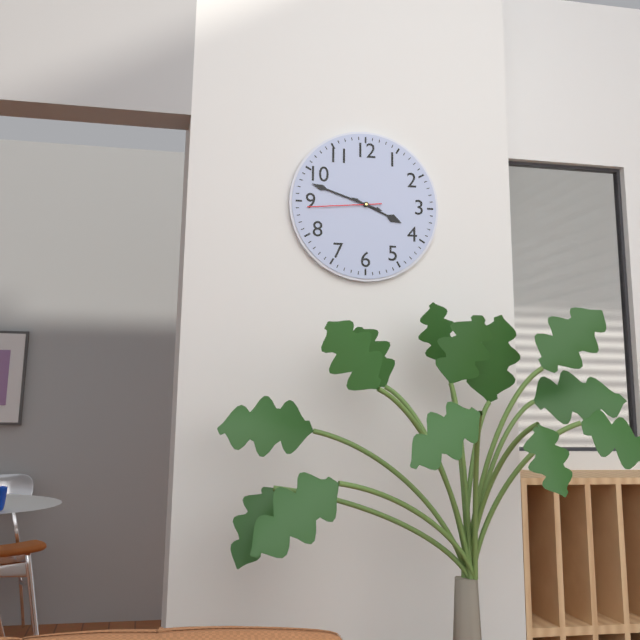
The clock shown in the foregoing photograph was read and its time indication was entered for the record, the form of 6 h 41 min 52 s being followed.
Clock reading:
3 h 48 min 44 s
